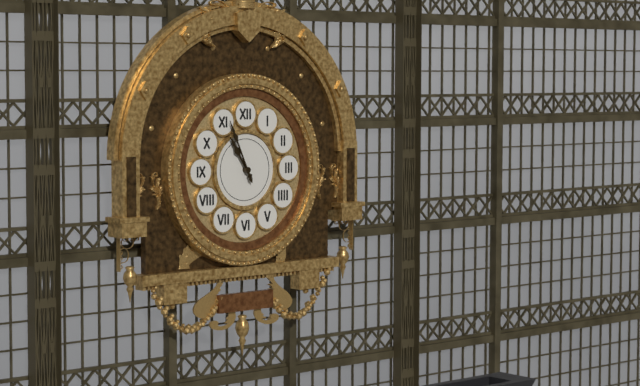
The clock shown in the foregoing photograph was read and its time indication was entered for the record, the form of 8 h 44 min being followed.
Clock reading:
10 h 56 min
